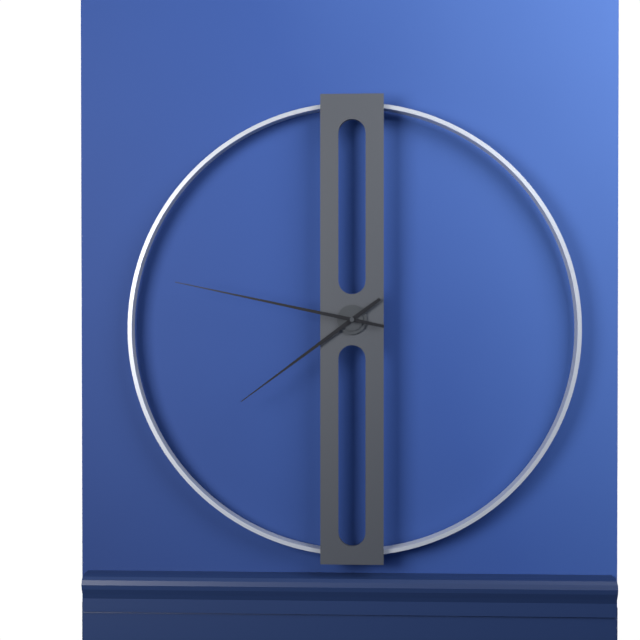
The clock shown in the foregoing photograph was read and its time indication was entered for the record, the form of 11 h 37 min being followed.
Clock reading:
7 h 47 min
